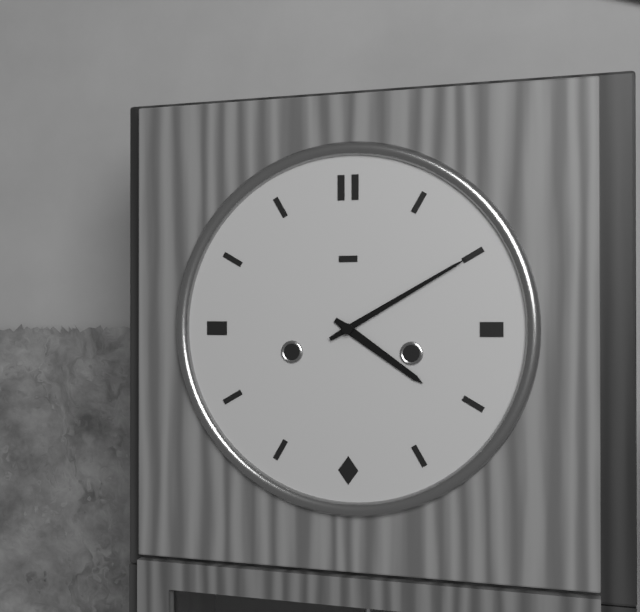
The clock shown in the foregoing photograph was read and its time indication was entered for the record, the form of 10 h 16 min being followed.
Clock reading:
4 h 10 min
